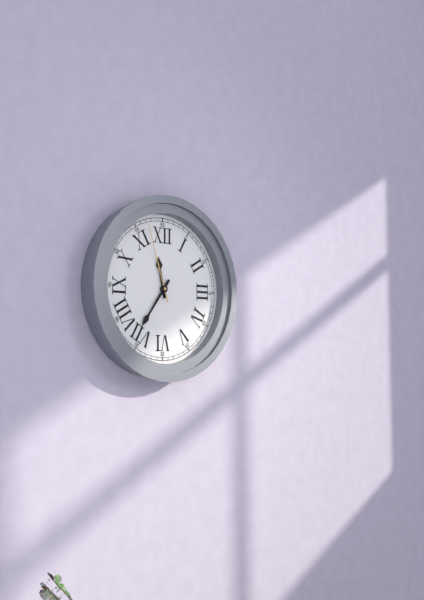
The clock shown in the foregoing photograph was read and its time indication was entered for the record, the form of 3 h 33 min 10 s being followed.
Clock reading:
11 h 36 min 57 s
